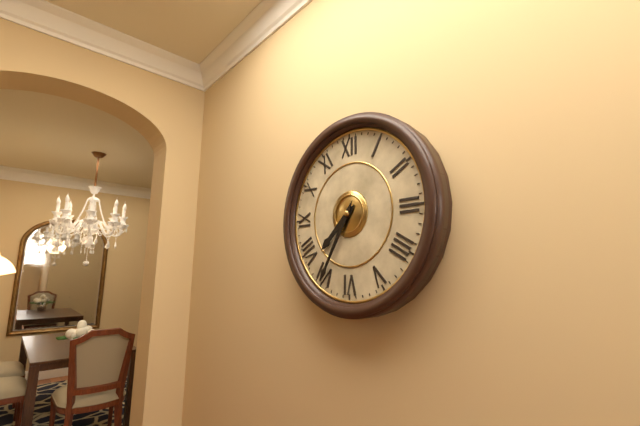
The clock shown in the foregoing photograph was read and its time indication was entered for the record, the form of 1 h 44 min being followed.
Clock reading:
7 h 35 min
